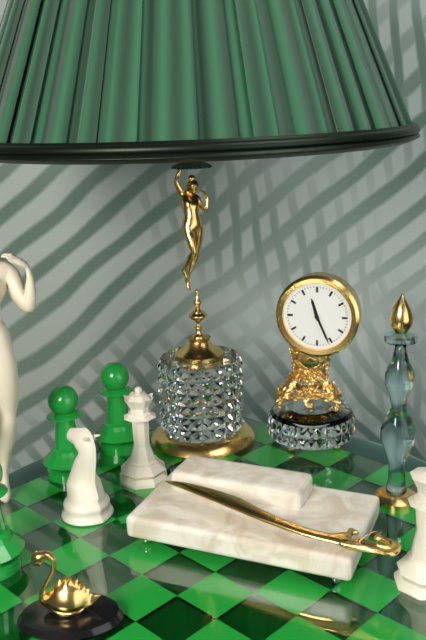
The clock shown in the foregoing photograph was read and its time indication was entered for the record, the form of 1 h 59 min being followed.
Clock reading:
11 h 26 min
